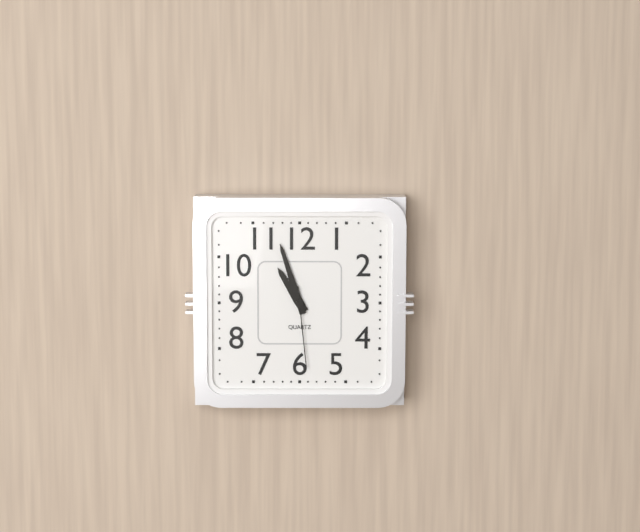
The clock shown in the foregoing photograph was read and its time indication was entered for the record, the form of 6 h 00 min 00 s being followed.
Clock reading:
10 h 57 min 29 s
